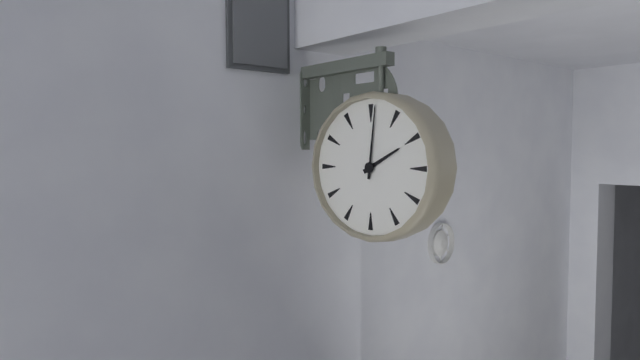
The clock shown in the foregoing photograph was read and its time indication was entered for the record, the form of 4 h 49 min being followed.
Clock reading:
2 h 01 min
